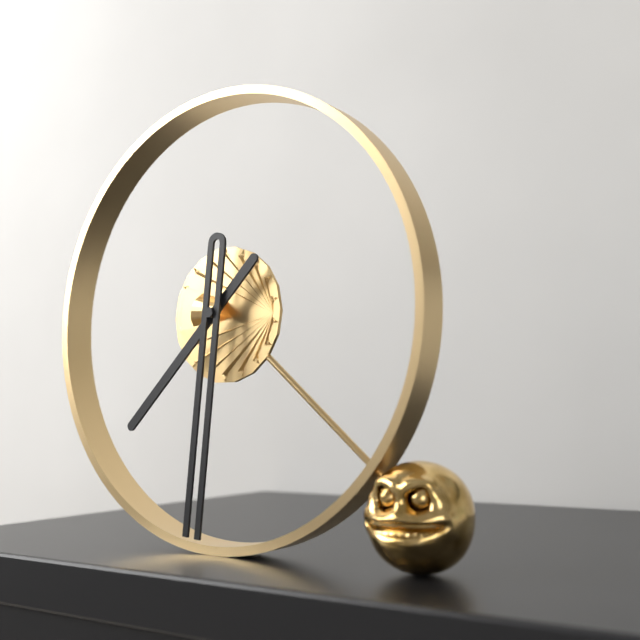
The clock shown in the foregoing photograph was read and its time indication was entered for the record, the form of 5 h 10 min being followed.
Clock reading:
7 h 31 min
